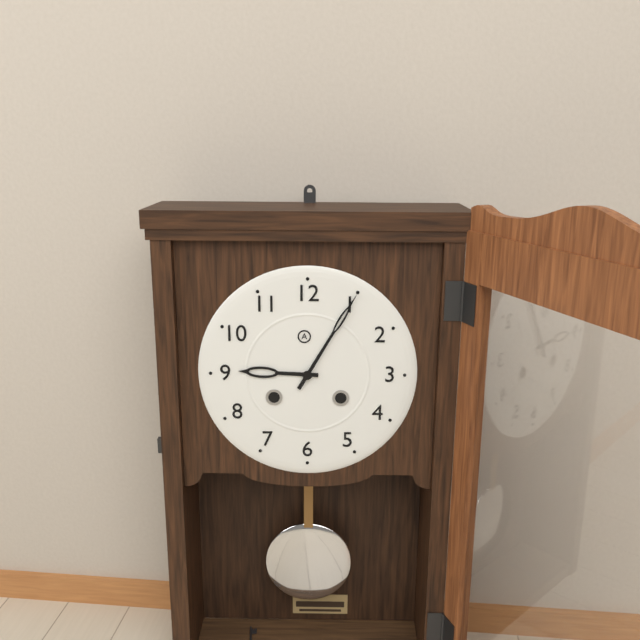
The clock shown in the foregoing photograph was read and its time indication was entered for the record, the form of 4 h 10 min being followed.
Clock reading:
9 h 05 min
